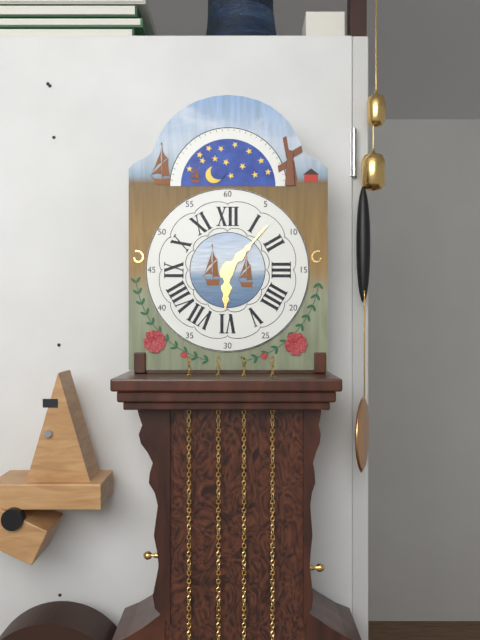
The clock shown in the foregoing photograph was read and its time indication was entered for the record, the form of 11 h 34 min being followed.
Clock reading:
6 h 07 min
